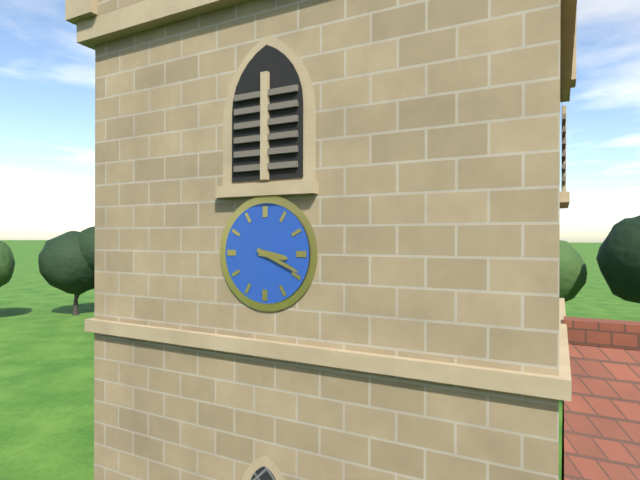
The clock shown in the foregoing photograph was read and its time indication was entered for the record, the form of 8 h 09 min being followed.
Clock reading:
3 h 19 min
